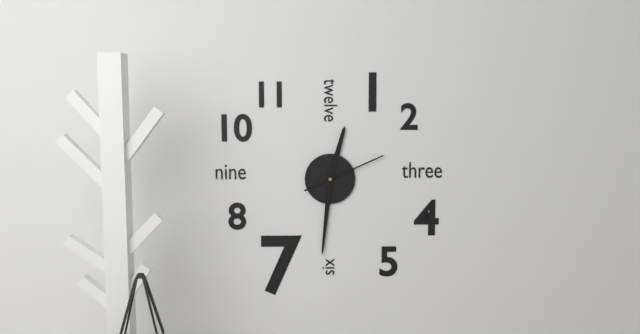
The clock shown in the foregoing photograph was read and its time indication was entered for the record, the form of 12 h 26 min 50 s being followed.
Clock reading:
12 h 31 min 11 s
